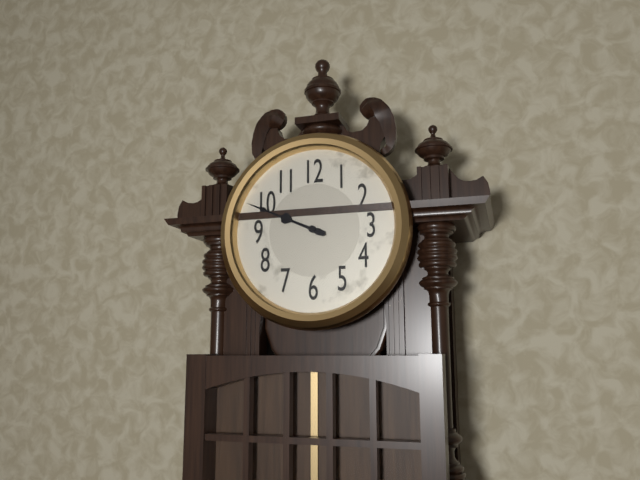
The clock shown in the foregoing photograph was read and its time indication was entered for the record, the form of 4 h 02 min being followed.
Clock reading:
9 h 49 min
